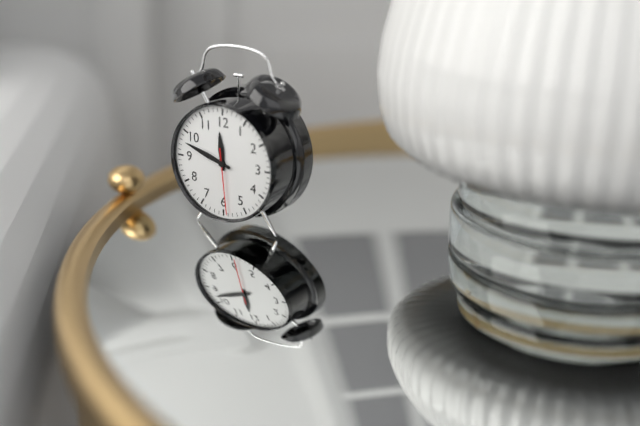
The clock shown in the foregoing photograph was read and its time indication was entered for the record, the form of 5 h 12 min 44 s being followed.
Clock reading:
11 h 48 min 29 s
